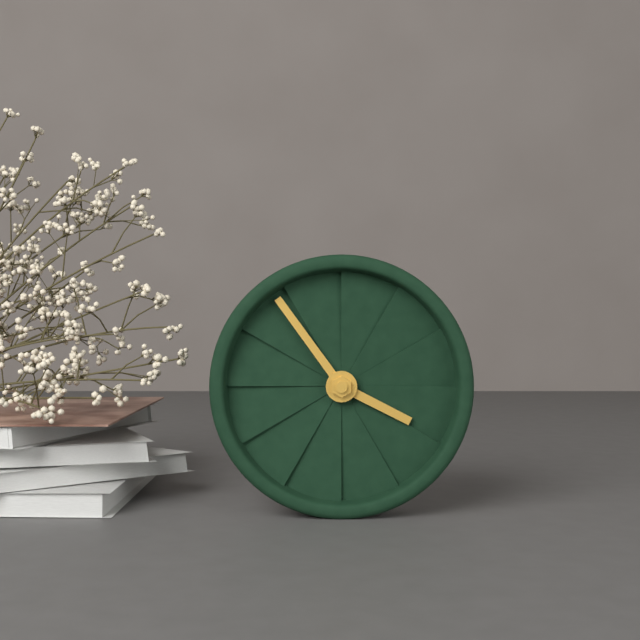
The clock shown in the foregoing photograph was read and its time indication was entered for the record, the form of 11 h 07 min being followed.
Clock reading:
3 h 54 min
